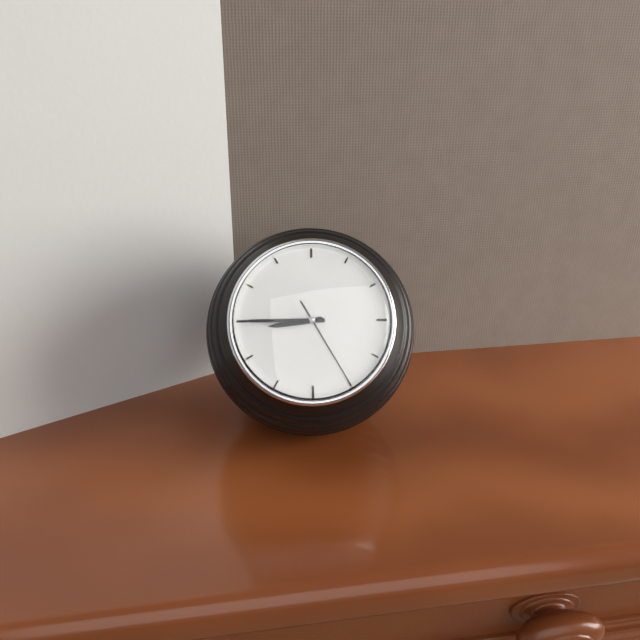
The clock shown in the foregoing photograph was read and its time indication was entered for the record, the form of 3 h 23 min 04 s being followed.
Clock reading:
8 h 45 min 25 s
